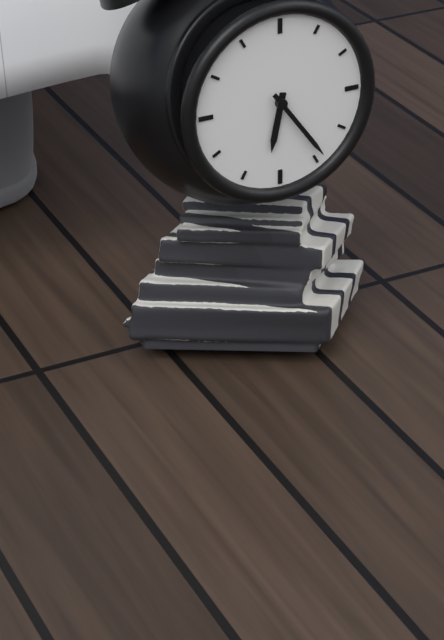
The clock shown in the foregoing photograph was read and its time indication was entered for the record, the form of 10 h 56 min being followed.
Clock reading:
6 h 24 min
